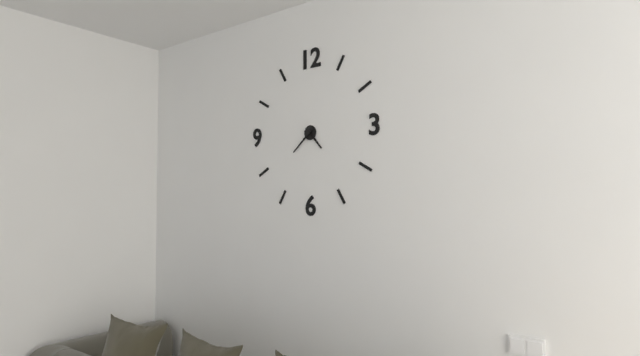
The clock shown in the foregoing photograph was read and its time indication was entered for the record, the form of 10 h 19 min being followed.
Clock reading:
4 h 38 min
